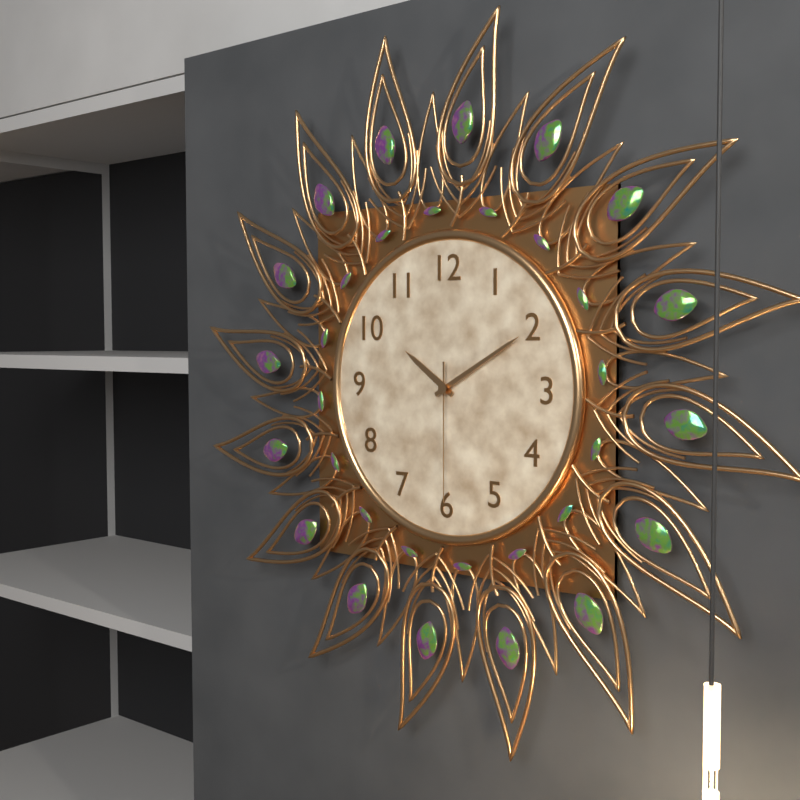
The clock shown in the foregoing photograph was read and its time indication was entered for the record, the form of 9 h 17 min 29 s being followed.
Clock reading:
10 h 10 min 30 s
